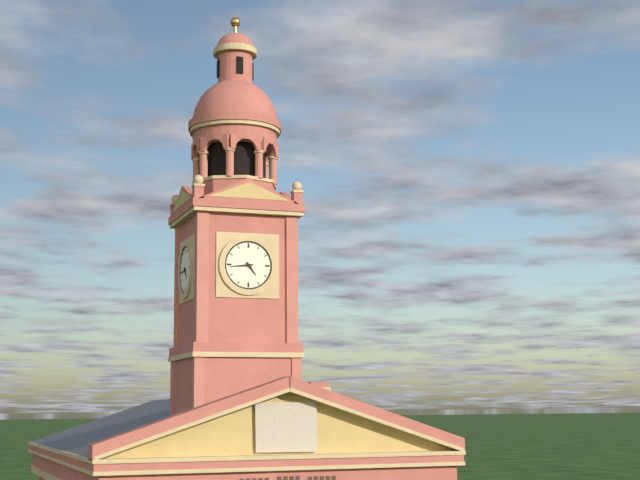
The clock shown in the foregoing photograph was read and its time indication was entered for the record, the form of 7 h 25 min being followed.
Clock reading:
4 h 44 min
